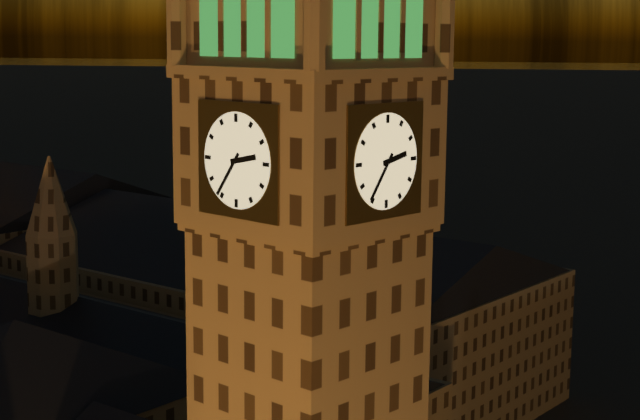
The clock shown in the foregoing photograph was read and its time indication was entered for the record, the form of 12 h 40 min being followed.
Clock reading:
2 h 36 min
